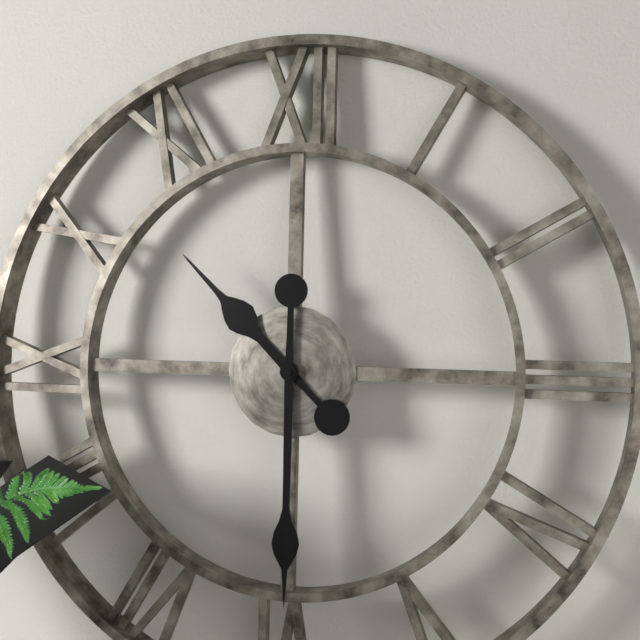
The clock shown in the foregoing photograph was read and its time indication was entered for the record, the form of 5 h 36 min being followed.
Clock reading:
10 h 30 min
